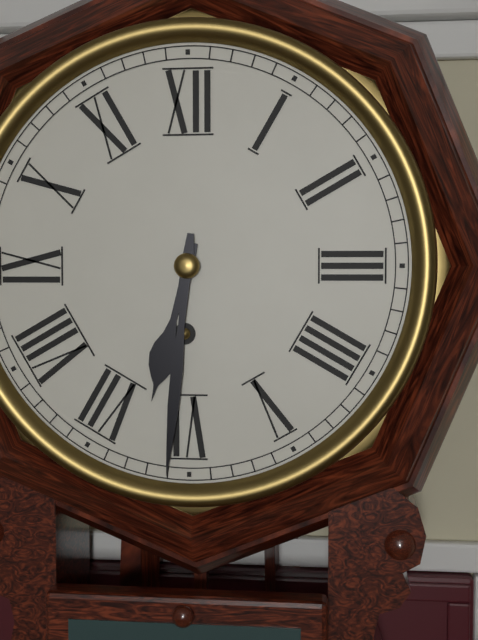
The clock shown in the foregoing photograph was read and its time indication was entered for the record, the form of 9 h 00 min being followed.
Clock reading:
6 h 31 min
